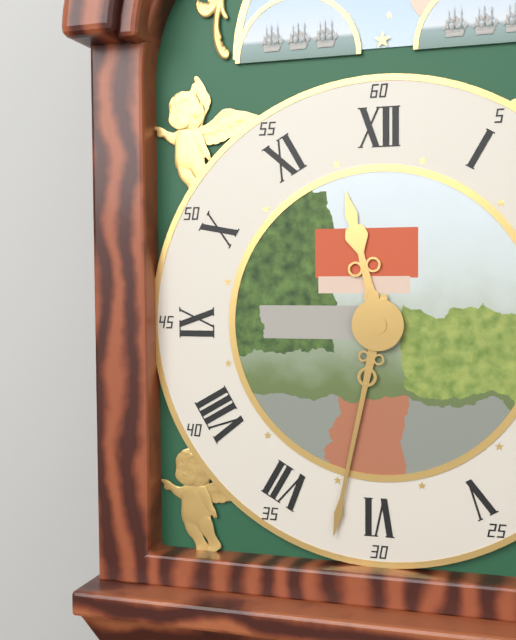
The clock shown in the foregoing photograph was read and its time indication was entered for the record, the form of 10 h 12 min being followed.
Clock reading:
11 h 32 min
